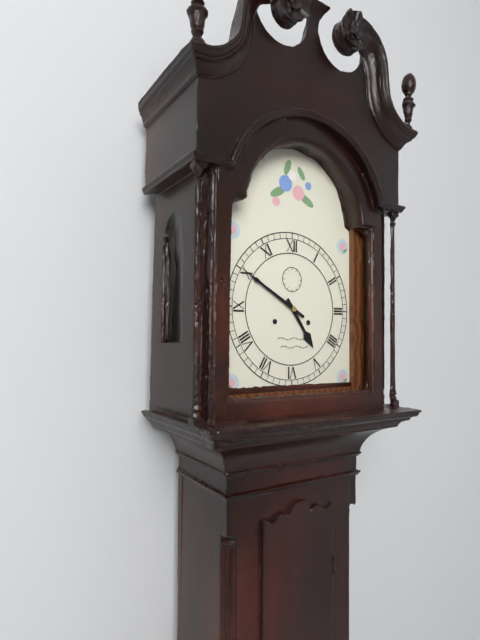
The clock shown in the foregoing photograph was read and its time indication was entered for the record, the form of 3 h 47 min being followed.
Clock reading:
4 h 50 min
